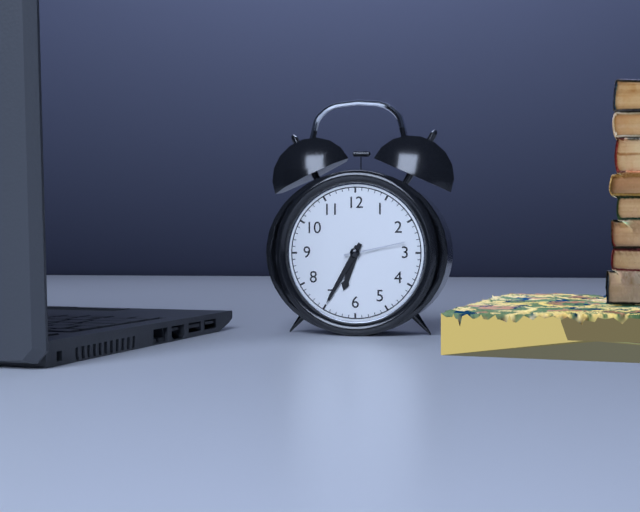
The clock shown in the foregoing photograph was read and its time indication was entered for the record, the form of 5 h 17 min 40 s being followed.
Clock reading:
6 h 35 min 13 s
